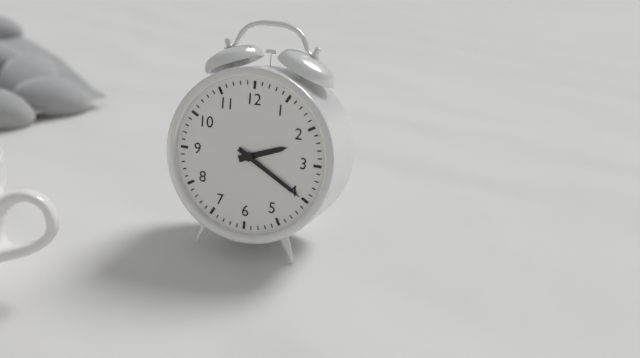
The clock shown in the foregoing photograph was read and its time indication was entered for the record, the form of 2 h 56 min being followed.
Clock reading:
2 h 20 min
